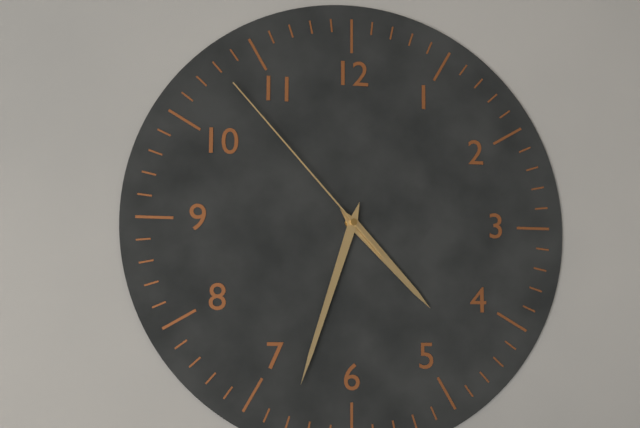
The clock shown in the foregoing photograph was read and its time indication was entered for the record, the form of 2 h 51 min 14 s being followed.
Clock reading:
4 h 33 min 53 s
